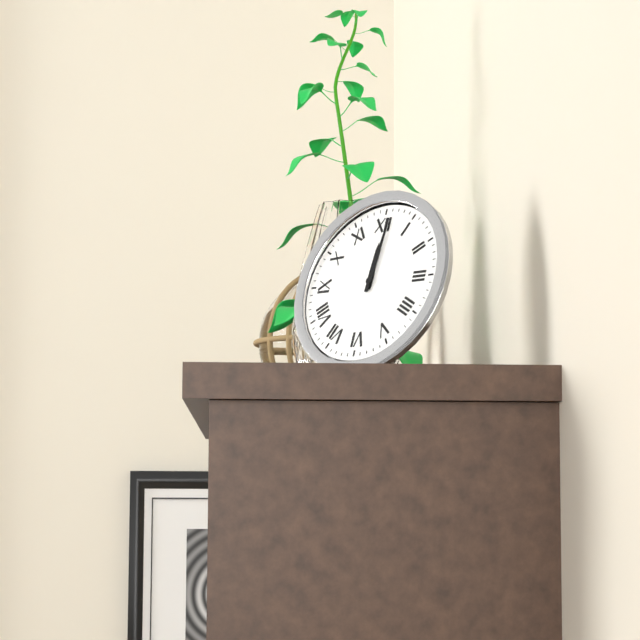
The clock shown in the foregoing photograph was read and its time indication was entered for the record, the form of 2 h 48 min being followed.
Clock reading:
12 h 01 min
